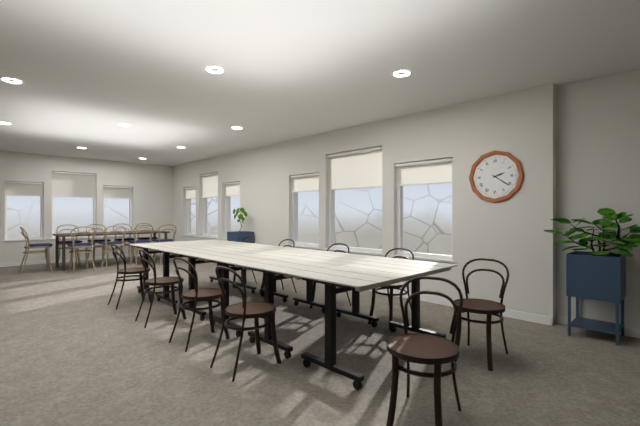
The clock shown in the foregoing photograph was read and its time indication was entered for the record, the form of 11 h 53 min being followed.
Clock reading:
2 h 21 min
